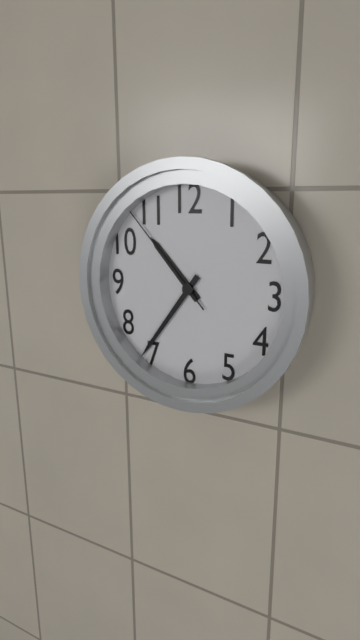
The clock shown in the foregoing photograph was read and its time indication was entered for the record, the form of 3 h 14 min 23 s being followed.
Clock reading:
10 h 36 min 53 s
